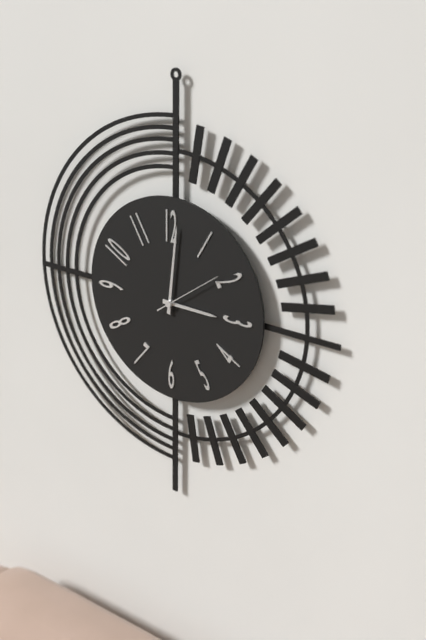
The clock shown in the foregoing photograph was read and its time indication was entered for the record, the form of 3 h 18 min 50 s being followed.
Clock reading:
3 h 01 min 09 s
